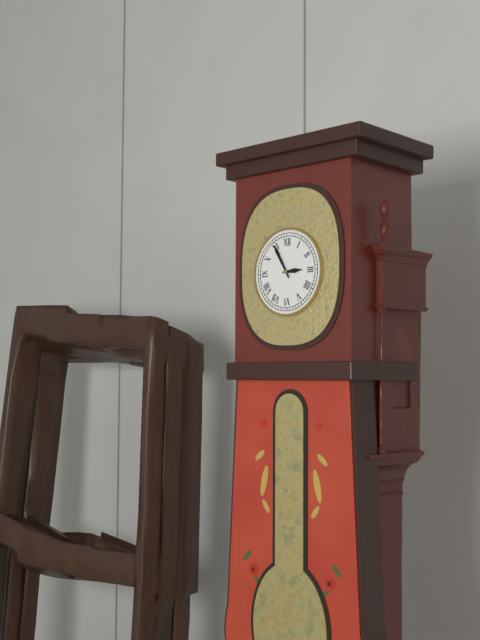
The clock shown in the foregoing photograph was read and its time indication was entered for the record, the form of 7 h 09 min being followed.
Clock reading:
2 h 55 min
